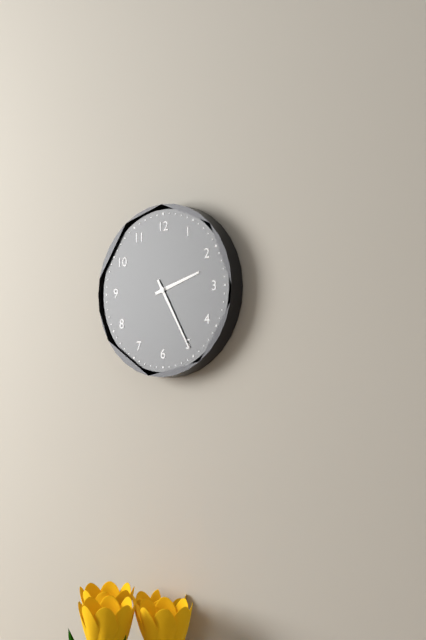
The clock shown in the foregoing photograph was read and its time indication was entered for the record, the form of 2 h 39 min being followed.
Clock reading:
2 h 25 min
